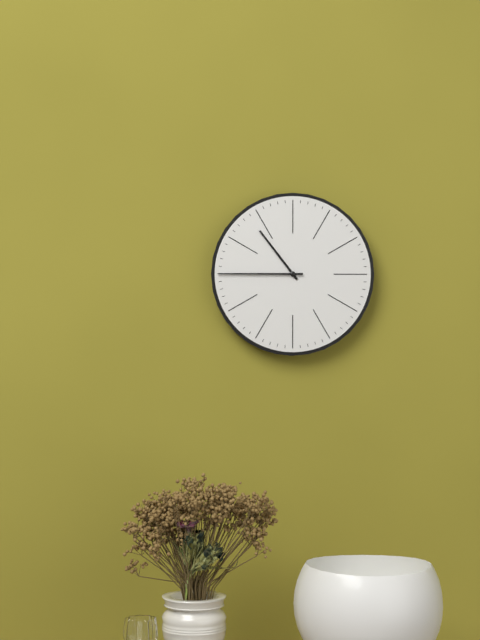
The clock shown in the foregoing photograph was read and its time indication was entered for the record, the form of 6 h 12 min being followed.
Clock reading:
10 h 45 min
